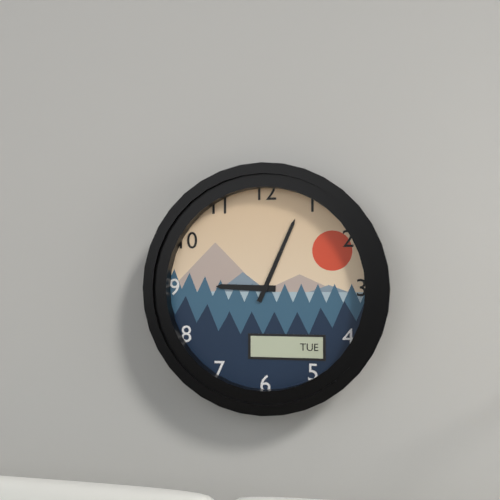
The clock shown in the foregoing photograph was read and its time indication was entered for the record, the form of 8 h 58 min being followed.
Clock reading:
9 h 04 min
